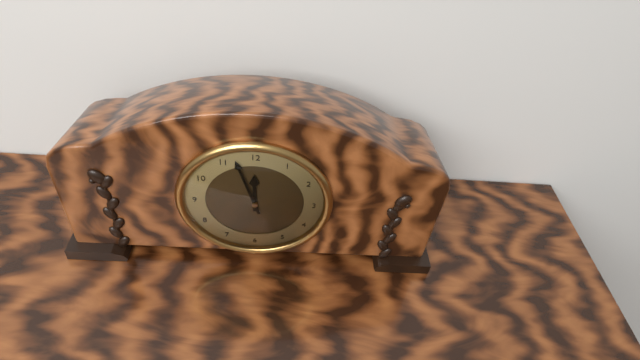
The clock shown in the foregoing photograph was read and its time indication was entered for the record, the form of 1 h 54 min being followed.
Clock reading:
11 h 57 min
